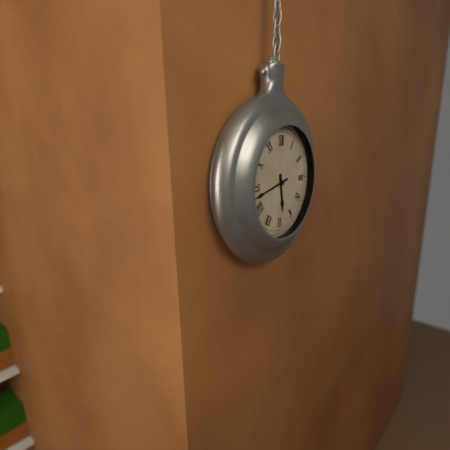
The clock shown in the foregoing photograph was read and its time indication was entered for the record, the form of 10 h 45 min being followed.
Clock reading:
5 h 43 min
